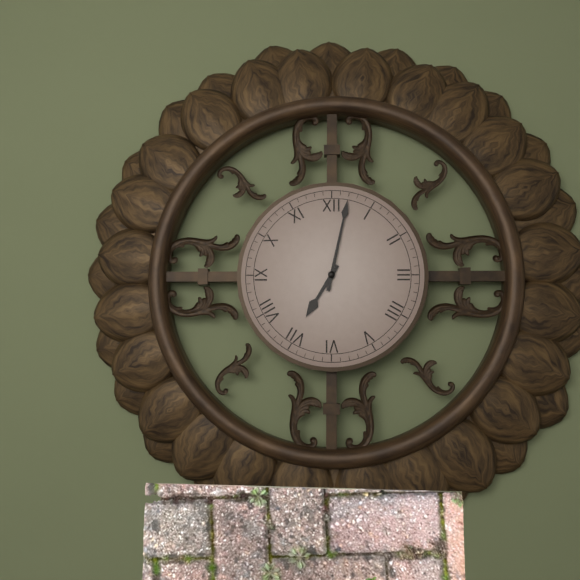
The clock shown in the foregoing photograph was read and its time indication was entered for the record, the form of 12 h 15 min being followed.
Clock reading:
7 h 02 min
